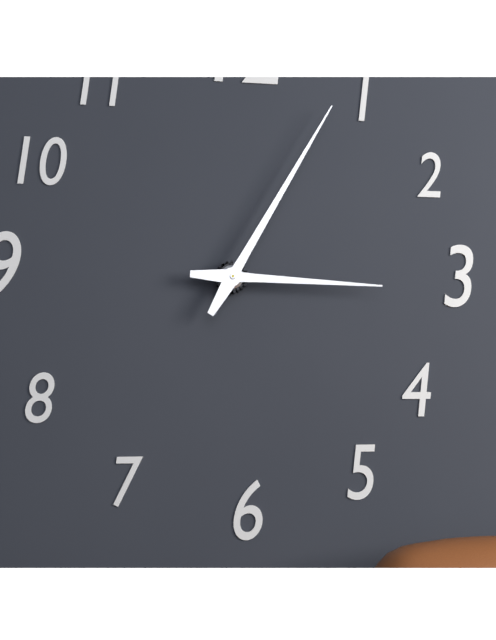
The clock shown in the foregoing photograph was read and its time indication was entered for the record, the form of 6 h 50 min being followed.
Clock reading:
3 h 05 min
